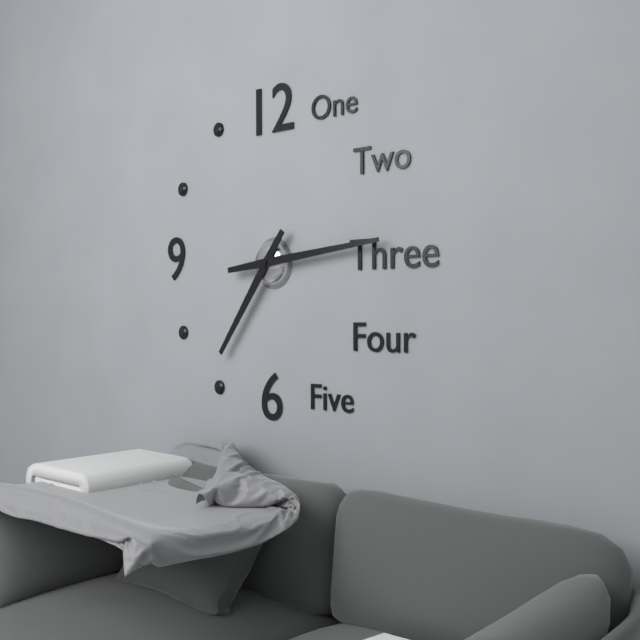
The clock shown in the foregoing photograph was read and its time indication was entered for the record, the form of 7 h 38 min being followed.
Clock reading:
7 h 14 min
